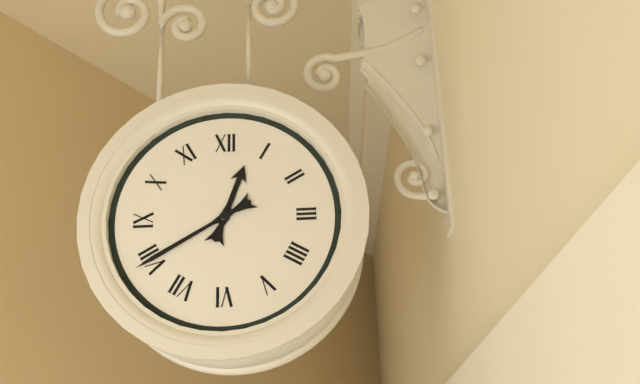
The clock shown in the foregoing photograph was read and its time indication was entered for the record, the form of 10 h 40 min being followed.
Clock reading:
12 h 40 min
